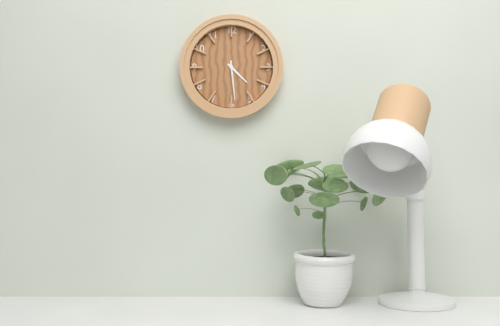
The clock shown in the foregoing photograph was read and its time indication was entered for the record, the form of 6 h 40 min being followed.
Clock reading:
4 h 29 min
